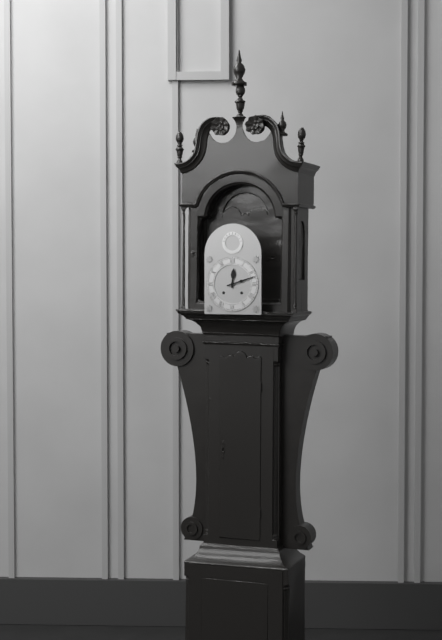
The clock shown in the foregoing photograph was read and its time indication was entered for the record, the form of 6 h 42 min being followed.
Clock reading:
12 h 12 min
